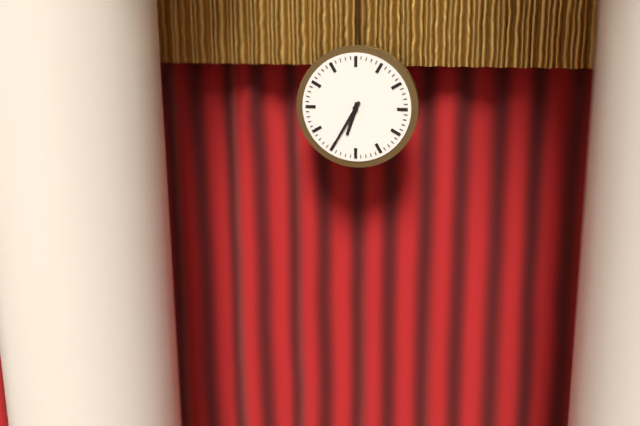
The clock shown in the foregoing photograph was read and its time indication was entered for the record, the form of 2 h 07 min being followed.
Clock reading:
6 h 35 min
